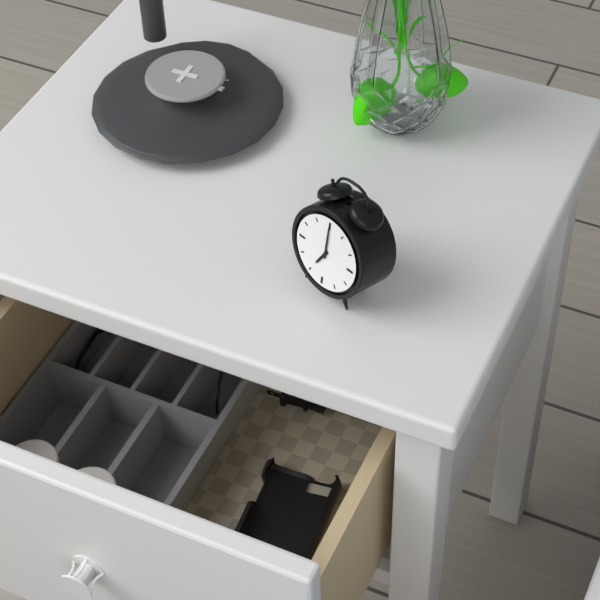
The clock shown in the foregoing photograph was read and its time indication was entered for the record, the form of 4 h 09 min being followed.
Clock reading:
7 h 00 min
